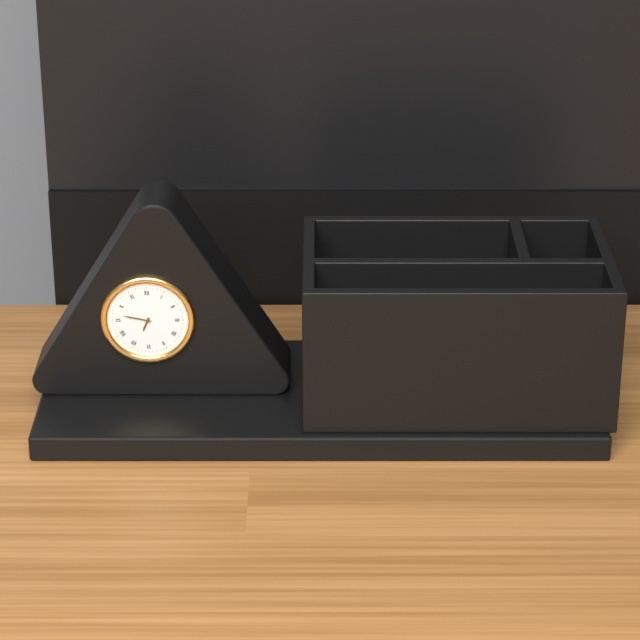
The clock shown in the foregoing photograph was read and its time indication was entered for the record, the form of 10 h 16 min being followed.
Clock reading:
6 h 47 min
